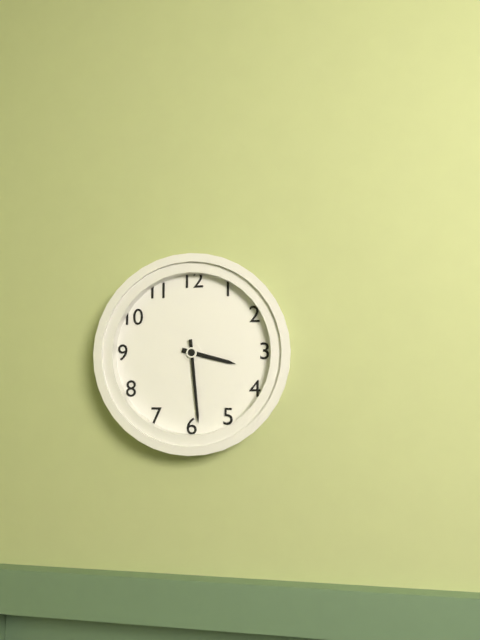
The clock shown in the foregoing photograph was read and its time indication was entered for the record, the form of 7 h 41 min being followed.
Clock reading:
3 h 29 min
